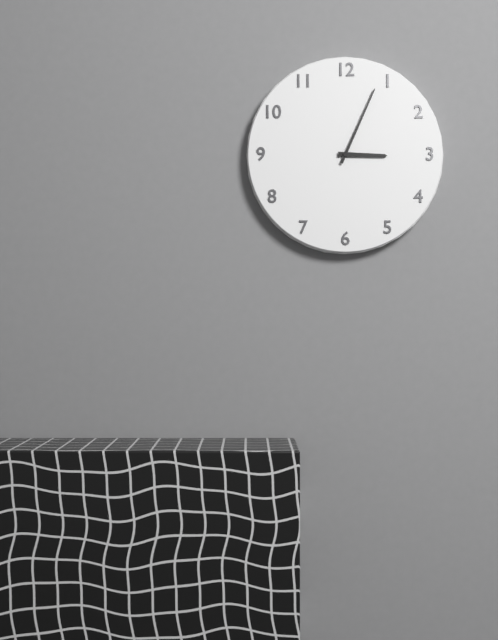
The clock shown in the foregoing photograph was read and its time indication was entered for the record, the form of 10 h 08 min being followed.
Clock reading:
3 h 04 min
